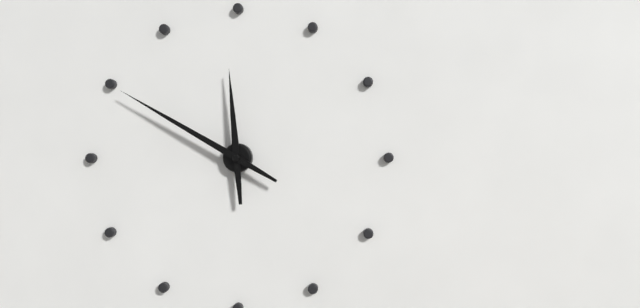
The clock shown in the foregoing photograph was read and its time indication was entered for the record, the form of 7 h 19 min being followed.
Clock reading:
11 h 50 min
